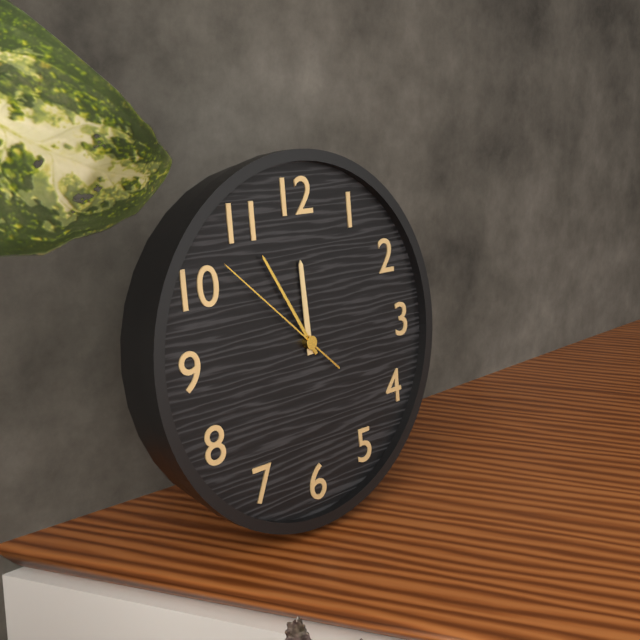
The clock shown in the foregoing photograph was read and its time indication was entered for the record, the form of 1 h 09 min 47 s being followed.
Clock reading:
11 h 55 min 52 s
